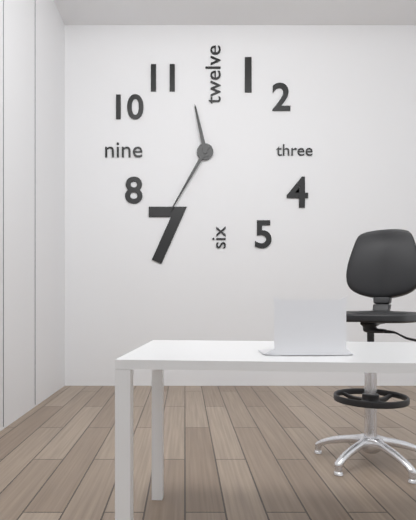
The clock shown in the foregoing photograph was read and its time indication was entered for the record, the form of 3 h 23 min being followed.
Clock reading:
11 h 35 min
